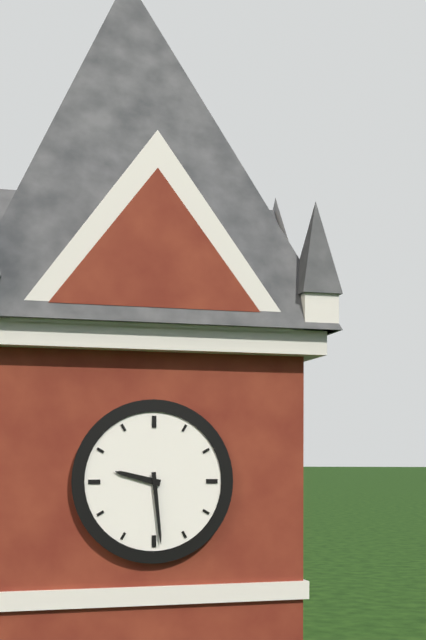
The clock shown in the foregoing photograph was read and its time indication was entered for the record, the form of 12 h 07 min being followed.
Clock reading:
9 h 29 min
